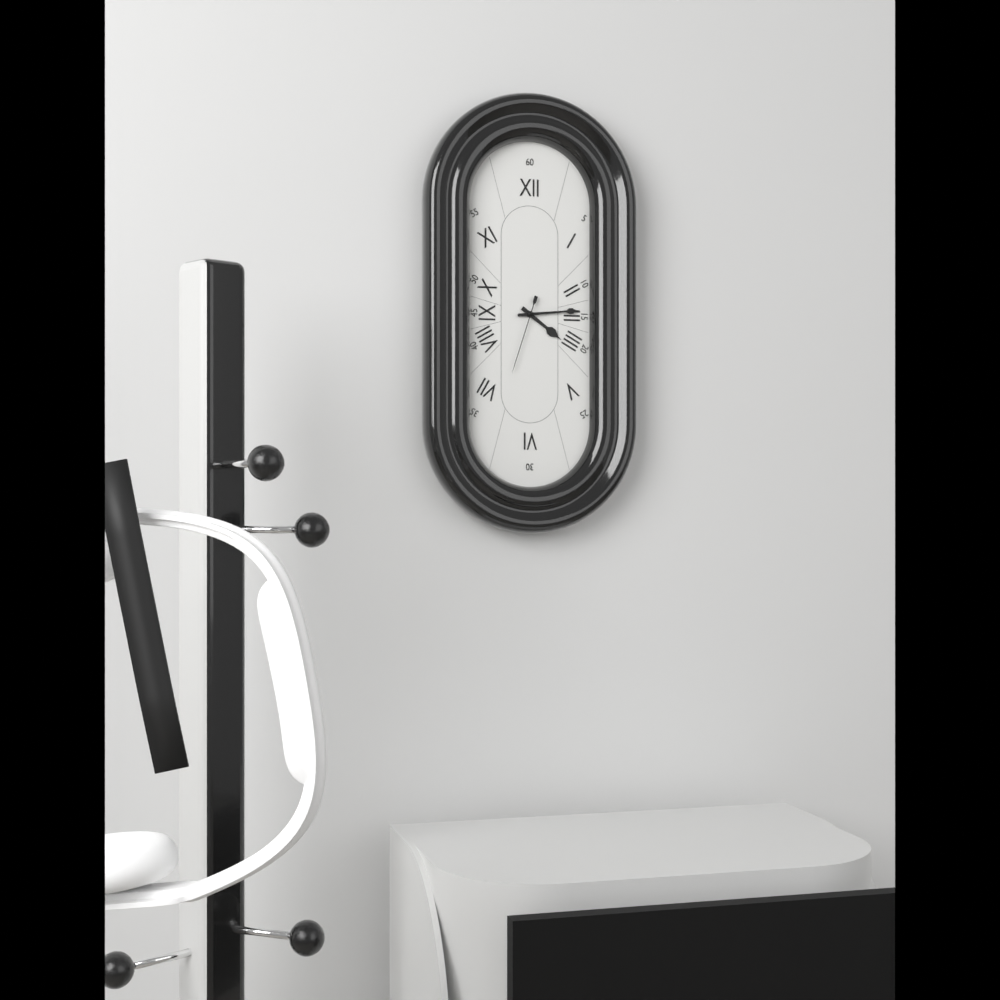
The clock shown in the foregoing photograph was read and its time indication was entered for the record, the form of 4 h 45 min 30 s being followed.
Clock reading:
4 h 14 min 33 s
